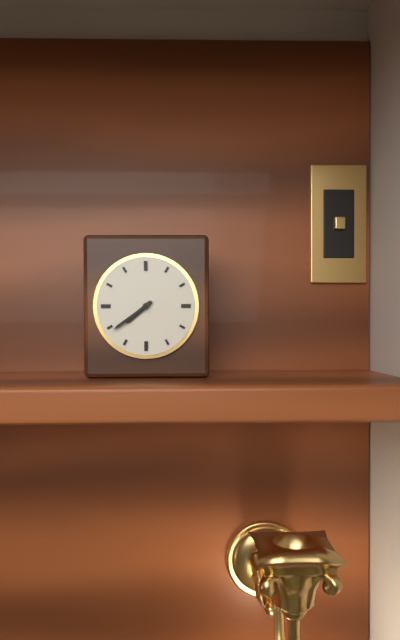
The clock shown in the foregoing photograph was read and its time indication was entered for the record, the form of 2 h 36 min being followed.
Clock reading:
7 h 39 min
